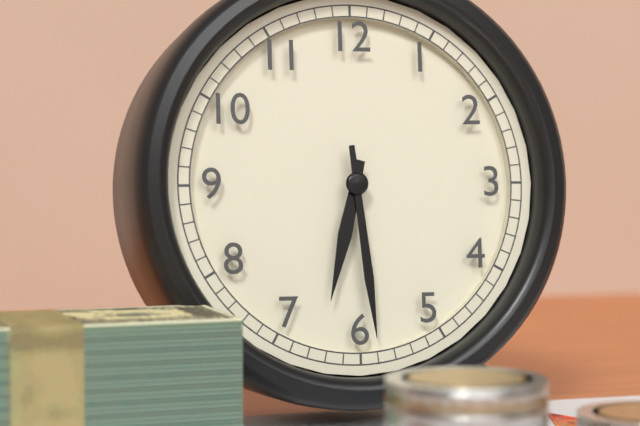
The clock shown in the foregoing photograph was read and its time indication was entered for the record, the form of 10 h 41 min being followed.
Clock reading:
6 h 29 min
